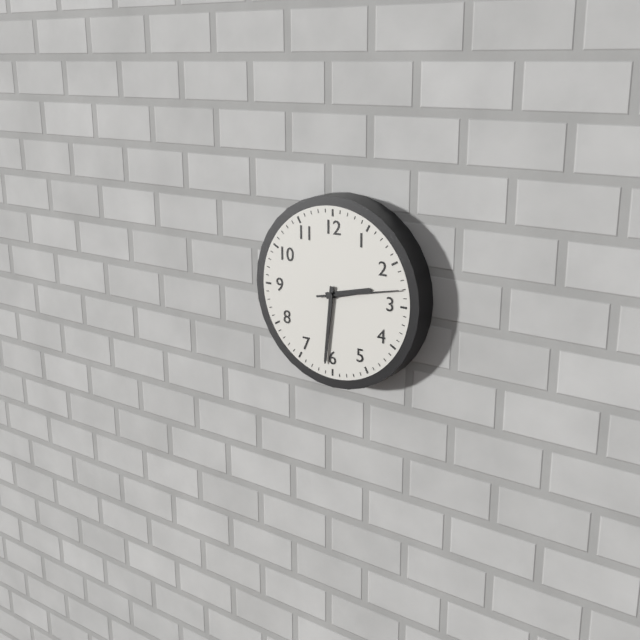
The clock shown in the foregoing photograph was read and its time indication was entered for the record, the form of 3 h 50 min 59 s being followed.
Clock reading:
2 h 31 min 13 s
